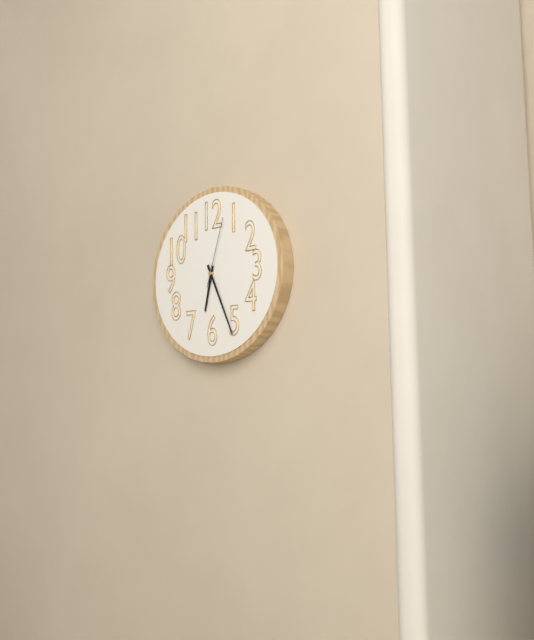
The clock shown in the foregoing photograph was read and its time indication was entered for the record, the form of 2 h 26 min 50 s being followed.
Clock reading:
6 h 26 min 03 s
